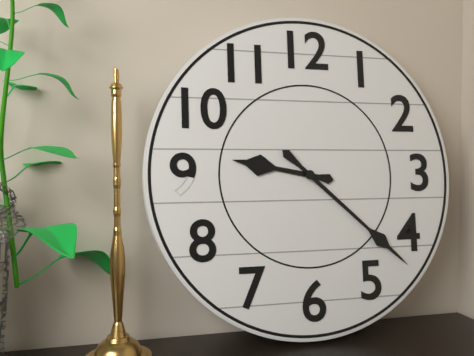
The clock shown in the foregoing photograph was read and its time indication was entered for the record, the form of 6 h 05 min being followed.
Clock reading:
9 h 22 min
